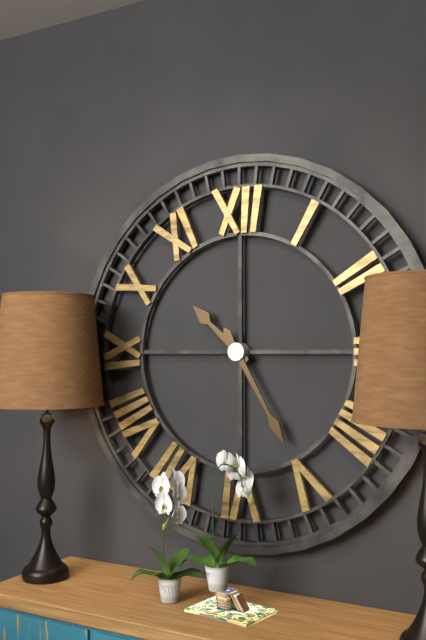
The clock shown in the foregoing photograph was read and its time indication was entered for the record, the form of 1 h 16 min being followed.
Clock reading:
10 h 25 min
